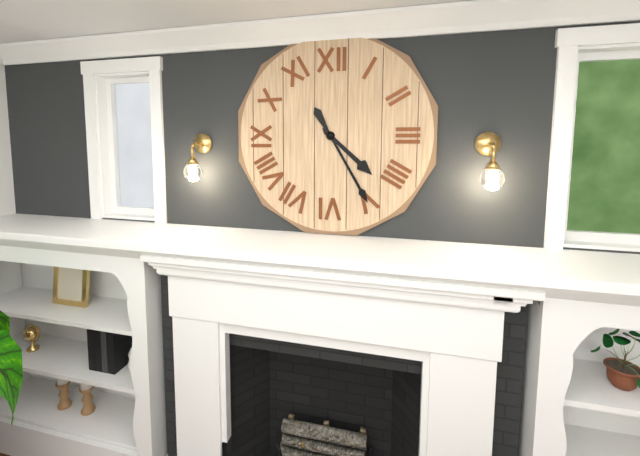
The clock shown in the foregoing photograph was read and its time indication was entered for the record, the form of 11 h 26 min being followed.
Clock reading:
4 h 25 min
